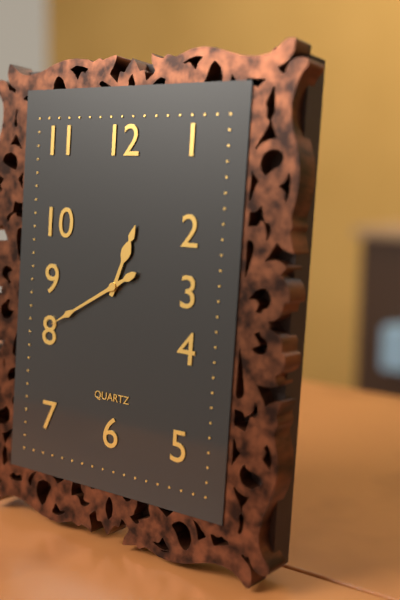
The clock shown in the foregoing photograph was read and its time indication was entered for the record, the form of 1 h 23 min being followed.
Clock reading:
12 h 40 min
